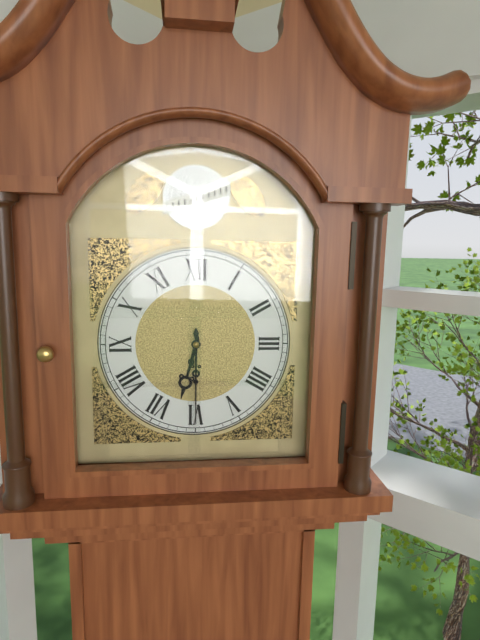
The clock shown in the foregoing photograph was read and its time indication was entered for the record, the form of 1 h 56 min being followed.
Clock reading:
6 h 30 min
